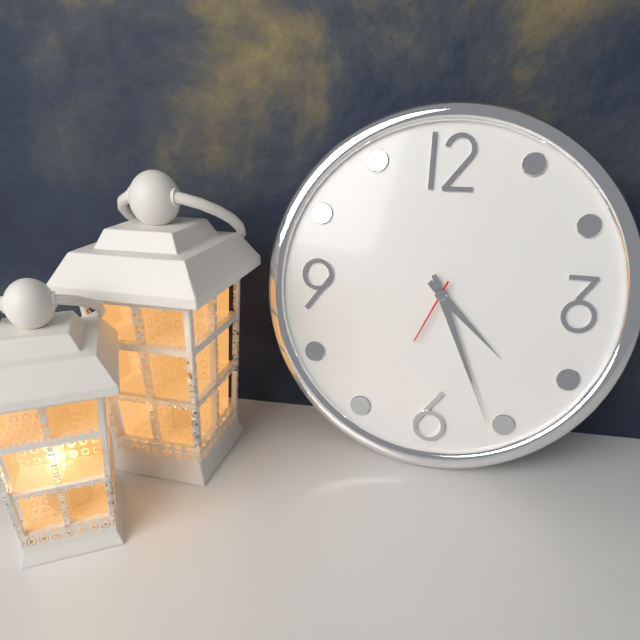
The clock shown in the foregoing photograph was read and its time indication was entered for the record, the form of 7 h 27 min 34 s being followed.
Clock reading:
4 h 26 min 34 s
